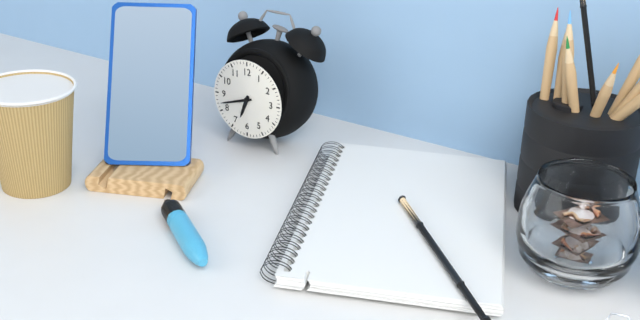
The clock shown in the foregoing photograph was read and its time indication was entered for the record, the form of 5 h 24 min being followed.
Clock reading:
6 h 42 min
